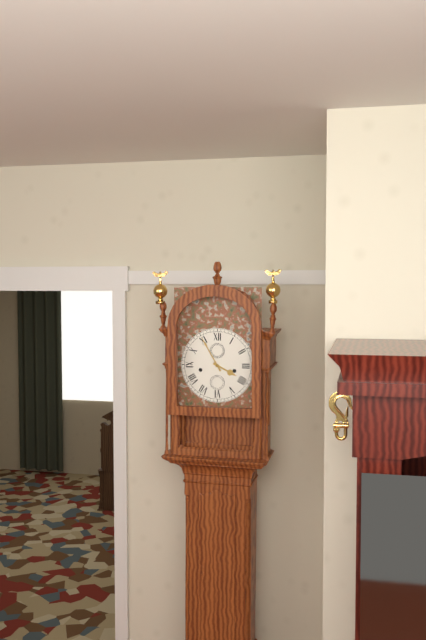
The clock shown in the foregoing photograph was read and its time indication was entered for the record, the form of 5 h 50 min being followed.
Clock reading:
3 h 55 min
